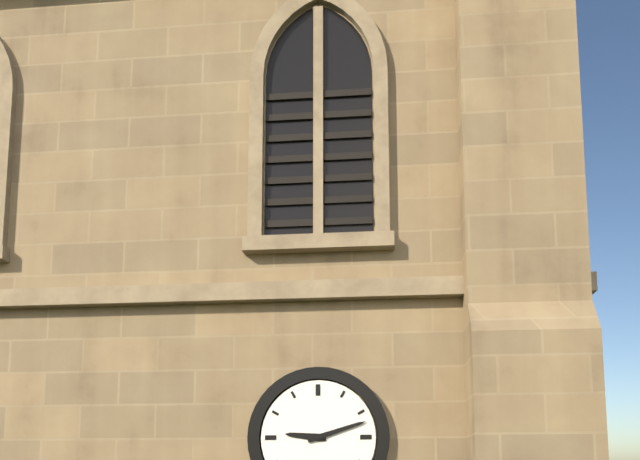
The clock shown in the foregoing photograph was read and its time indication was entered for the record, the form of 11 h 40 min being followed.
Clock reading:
9 h 12 min
